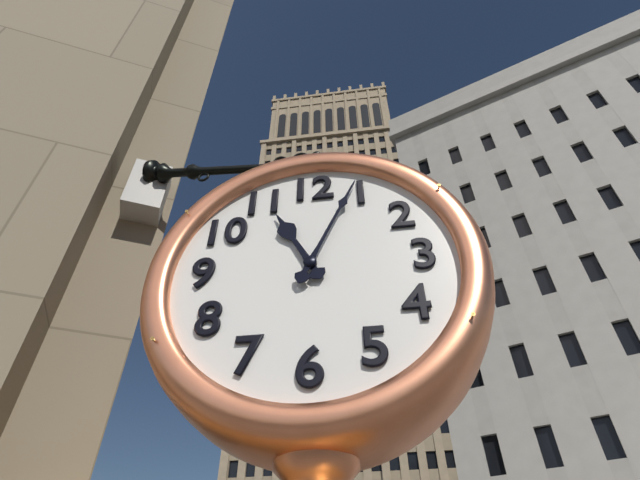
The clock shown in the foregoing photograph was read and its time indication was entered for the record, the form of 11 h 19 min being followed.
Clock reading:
11 h 04 min
